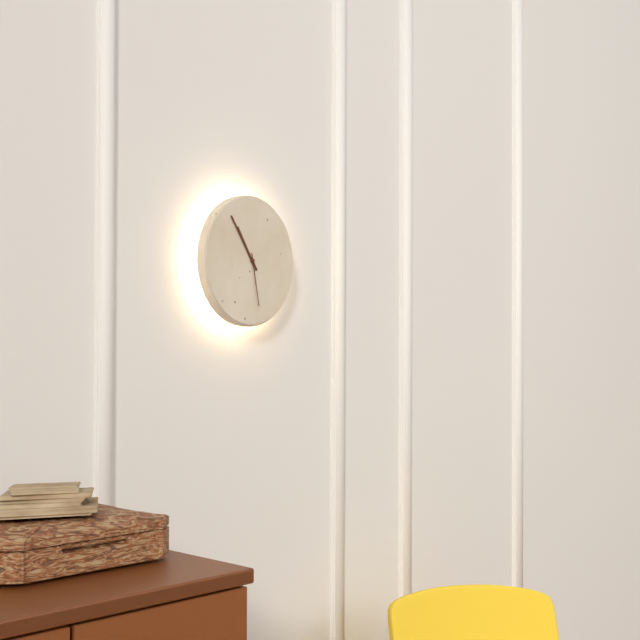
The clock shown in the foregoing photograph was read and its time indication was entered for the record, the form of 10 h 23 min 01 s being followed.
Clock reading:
10 h 54 min 28 s
